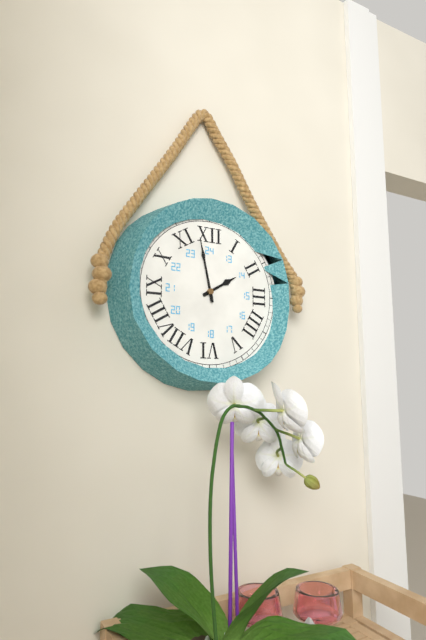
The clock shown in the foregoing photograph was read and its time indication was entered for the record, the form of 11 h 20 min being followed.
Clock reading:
1 h 58 min
